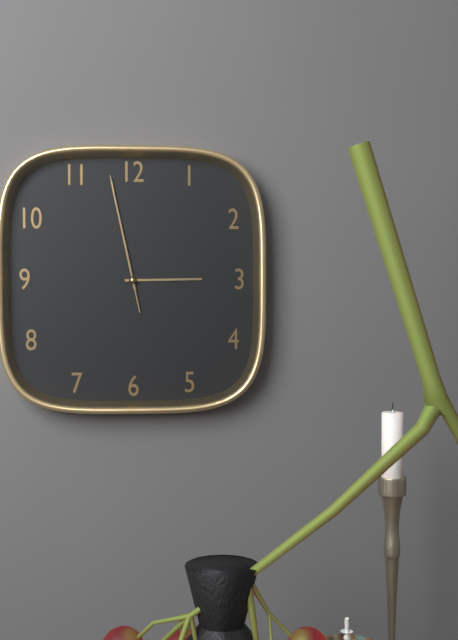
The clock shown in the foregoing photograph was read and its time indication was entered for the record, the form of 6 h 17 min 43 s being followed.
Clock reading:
2 h 58 min 58 s
